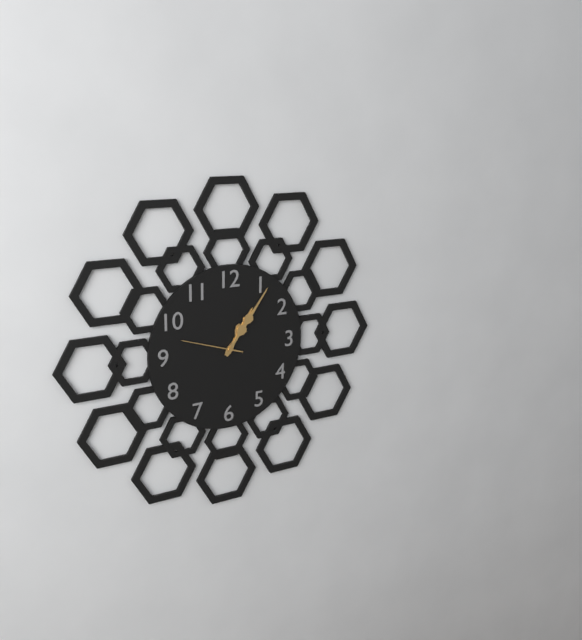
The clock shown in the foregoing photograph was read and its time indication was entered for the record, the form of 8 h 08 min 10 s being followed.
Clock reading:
1 h 06 min 48 s
